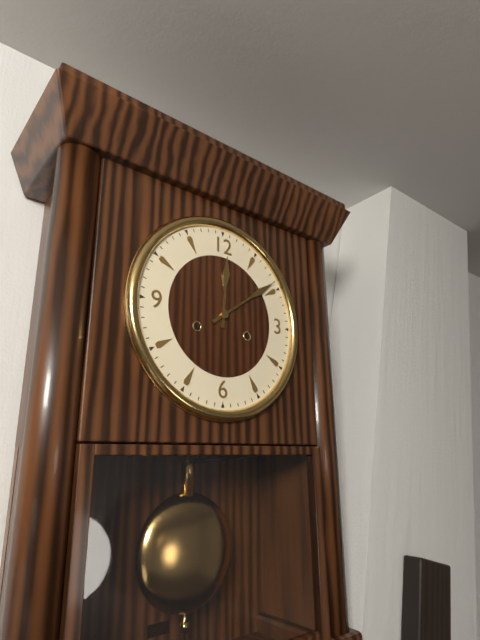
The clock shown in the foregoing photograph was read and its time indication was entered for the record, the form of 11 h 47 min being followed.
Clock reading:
12 h 09 min
